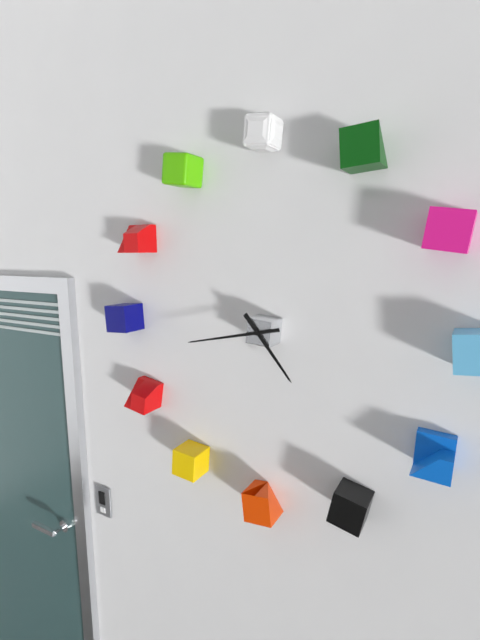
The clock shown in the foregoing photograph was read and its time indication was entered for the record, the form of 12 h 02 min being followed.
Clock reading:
4 h 43 min
